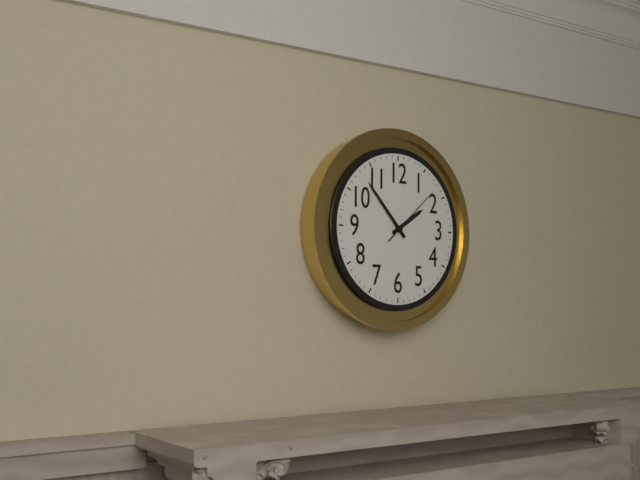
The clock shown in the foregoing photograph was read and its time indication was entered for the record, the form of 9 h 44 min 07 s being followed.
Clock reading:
1 h 53 min 08 s
